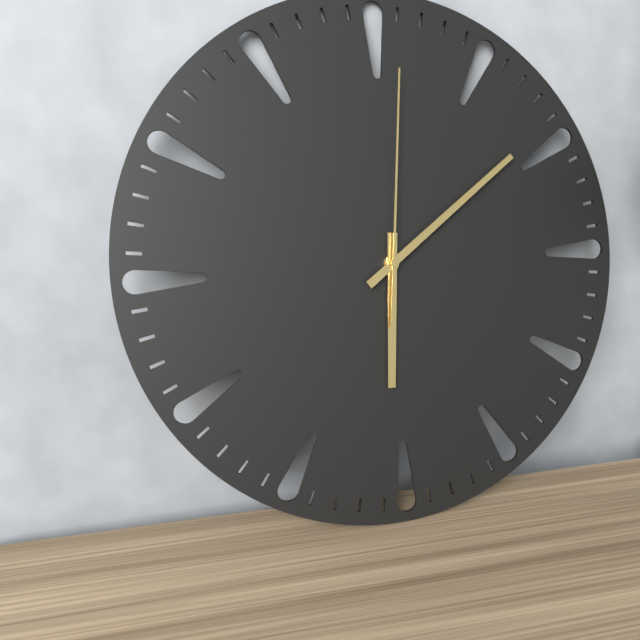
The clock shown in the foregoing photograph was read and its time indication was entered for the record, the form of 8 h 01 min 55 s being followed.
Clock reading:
6 h 09 min 01 s
